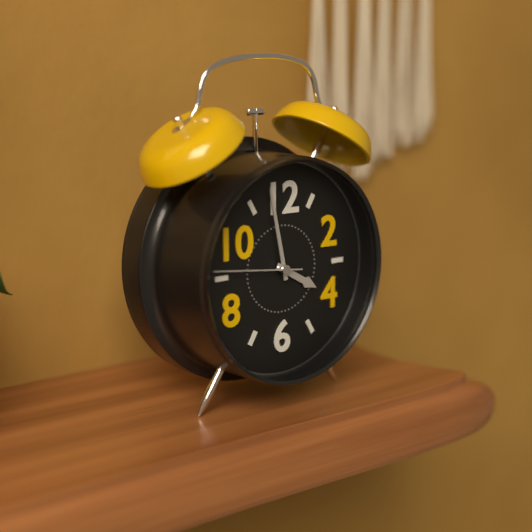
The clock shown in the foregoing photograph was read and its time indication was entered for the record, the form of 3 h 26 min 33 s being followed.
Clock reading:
3 h 58 min 46 s
